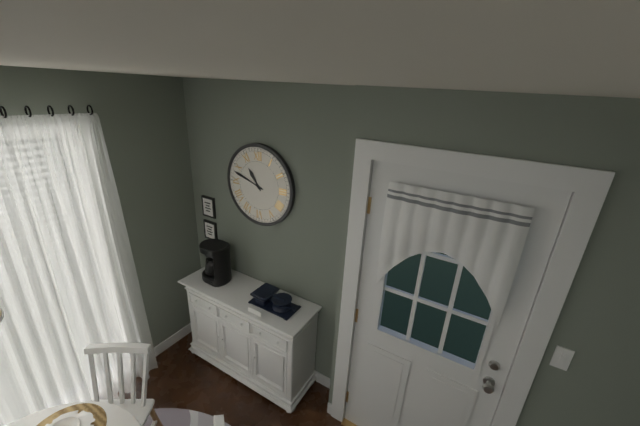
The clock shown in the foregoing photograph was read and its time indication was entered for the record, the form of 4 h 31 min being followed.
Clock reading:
10 h 48 min
